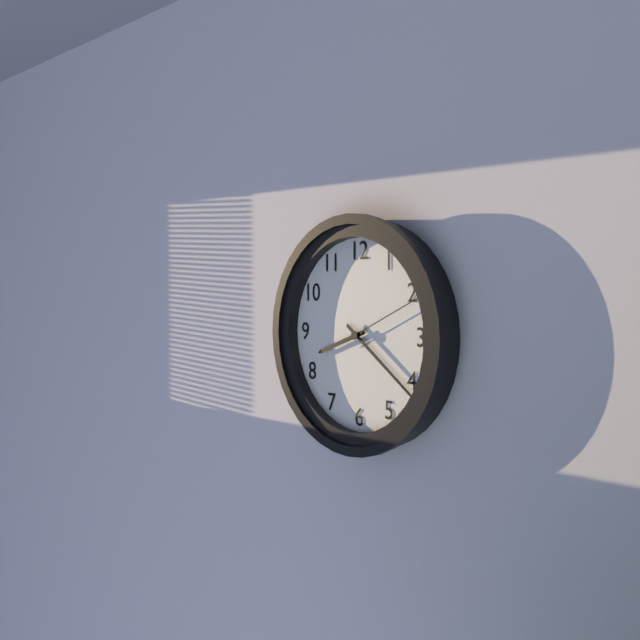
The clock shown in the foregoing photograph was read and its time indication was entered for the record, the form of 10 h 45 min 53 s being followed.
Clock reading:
8 h 21 min 11 s
